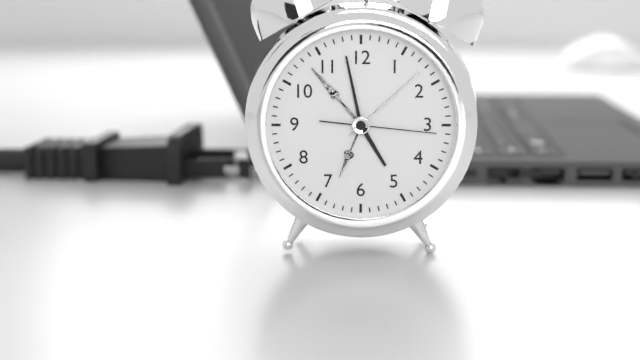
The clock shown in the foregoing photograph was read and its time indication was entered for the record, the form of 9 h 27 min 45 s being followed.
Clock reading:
4 h 58 min 16 s
